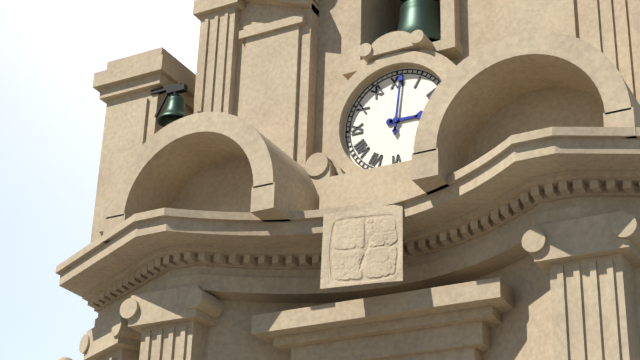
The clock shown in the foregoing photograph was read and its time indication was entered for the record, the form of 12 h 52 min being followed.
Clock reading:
3 h 01 min
